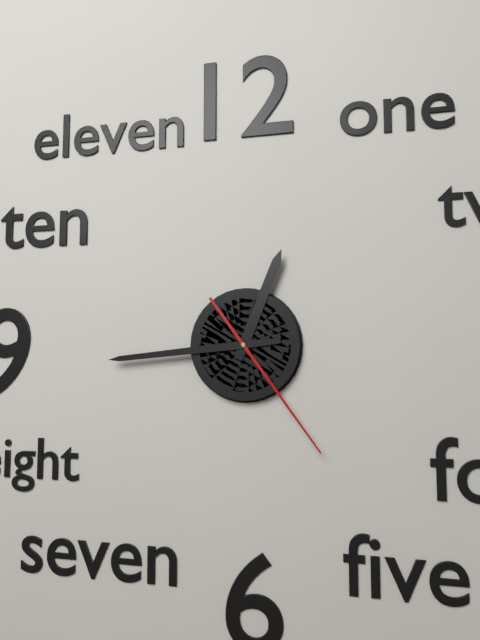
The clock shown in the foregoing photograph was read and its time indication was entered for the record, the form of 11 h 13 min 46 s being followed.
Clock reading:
12 h 44 min 24 s
